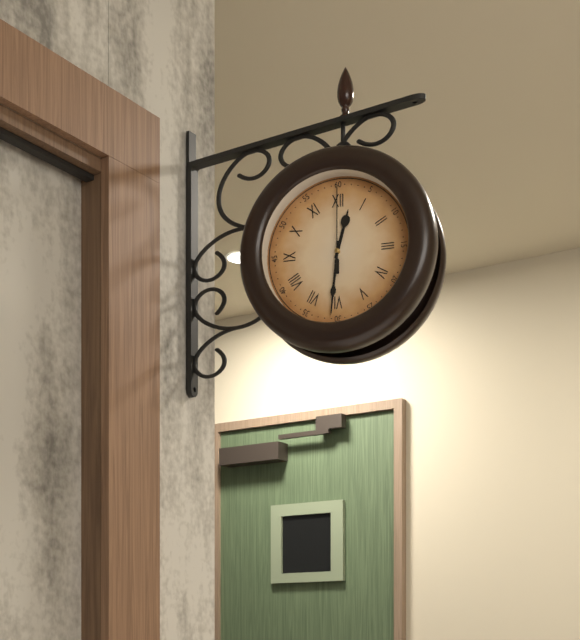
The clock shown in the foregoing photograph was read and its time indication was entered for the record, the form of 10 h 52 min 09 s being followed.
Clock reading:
12 h 31 min 00 s
